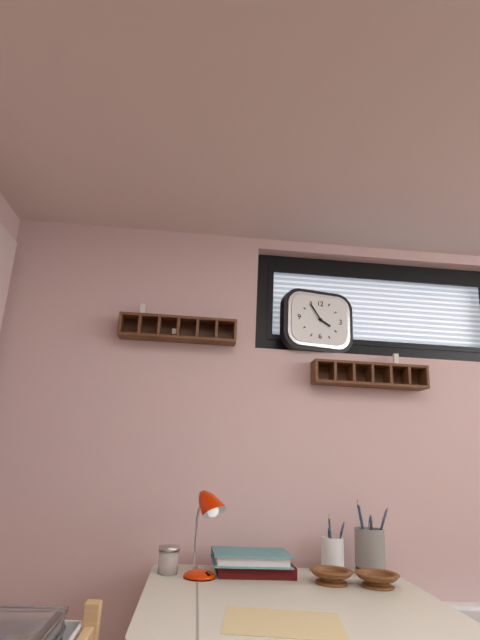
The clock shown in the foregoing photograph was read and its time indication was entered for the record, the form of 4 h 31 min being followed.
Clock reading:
3 h 54 min
